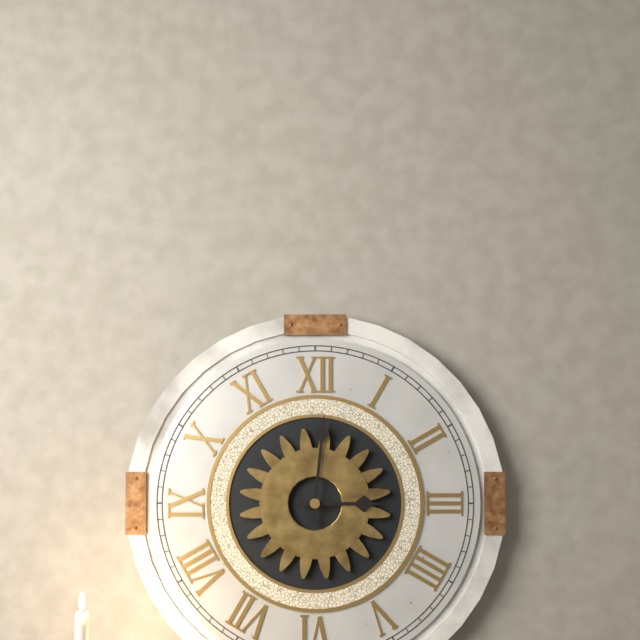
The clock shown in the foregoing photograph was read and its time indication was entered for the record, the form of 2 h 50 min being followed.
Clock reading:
3 h 01 min
